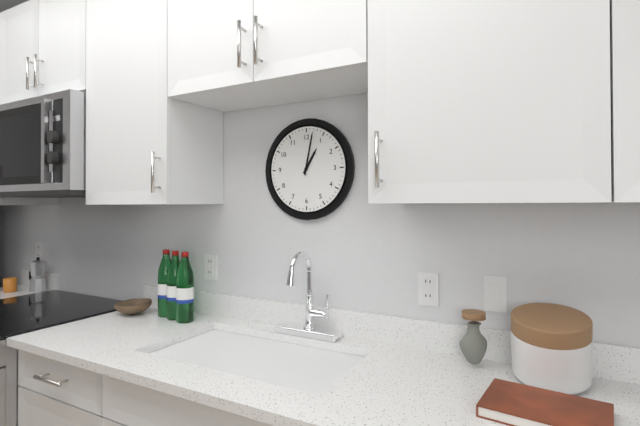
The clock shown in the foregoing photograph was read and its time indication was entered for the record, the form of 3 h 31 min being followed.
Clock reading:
1 h 02 min
